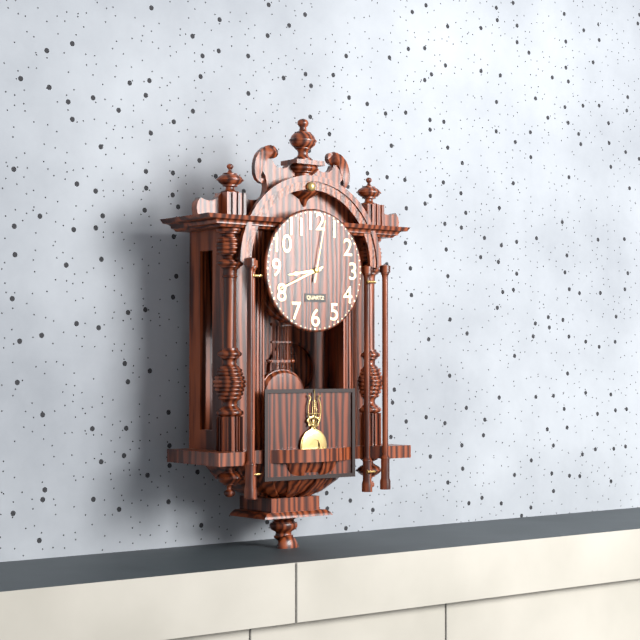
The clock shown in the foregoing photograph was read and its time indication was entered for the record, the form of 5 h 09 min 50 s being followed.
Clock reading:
8 h 41 min 02 s
